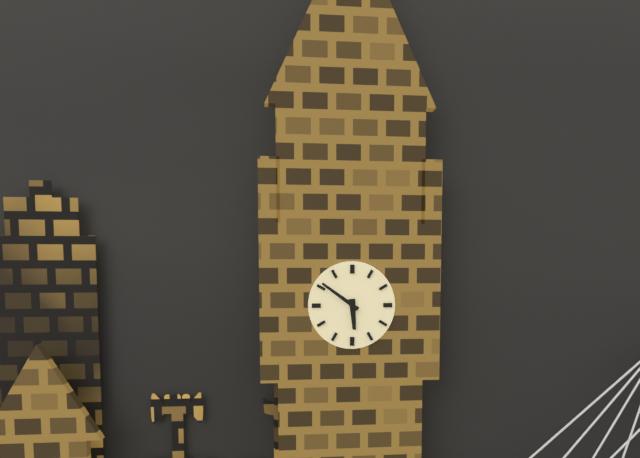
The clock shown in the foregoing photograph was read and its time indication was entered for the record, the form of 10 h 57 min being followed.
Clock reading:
5 h 51 min
